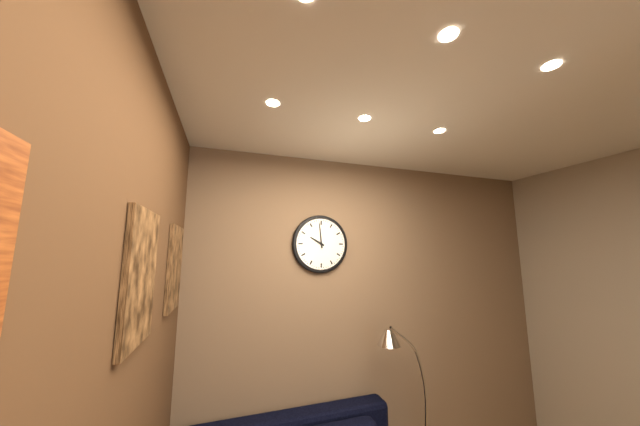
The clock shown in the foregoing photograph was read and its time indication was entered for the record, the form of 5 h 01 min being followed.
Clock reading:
9 h 59 min
